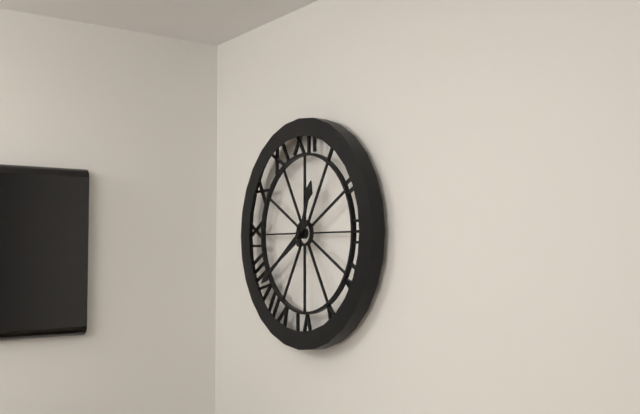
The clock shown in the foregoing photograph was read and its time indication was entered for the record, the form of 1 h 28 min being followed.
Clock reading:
12 h 39 min
